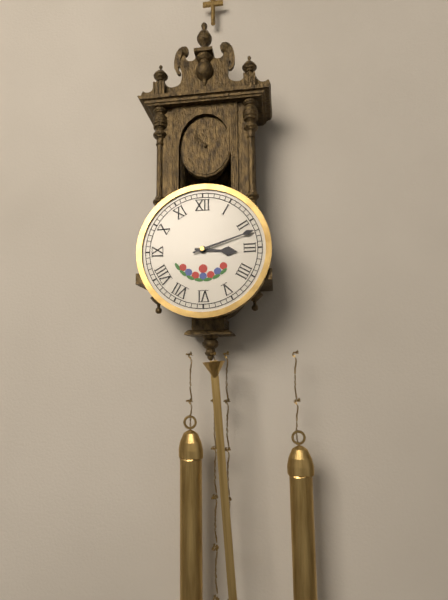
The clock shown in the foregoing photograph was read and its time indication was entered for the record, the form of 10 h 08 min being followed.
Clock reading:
3 h 12 min
